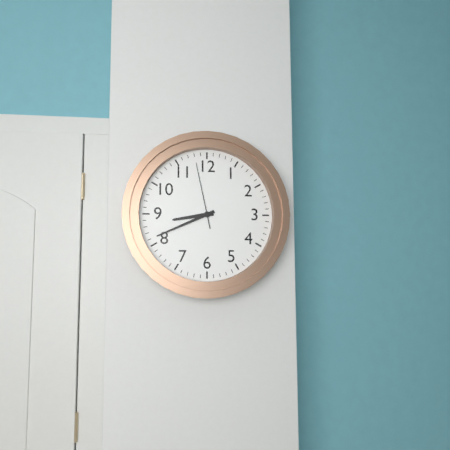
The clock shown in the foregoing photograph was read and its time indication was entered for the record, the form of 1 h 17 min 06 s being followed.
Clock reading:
8 h 41 min 58 s
